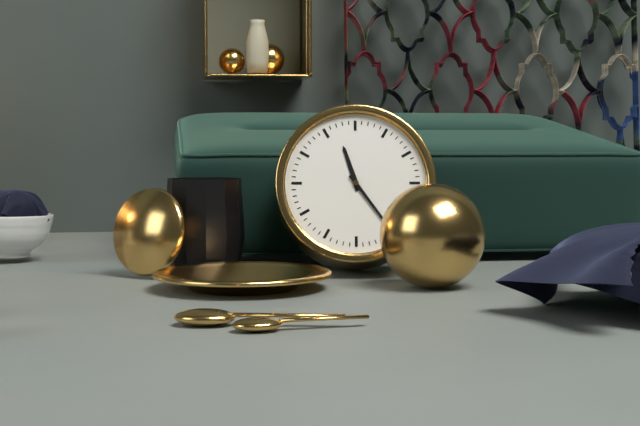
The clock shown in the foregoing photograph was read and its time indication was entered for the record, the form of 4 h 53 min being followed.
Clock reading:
11 h 24 min
